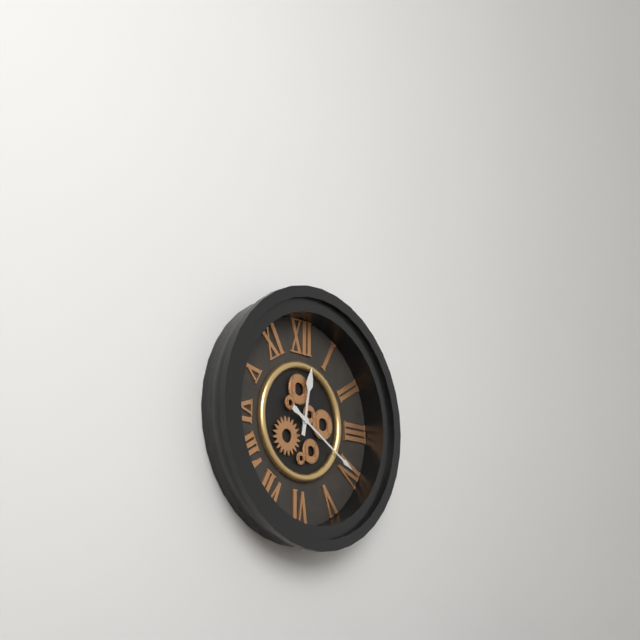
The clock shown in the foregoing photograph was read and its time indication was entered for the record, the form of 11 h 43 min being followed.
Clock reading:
12 h 20 min
